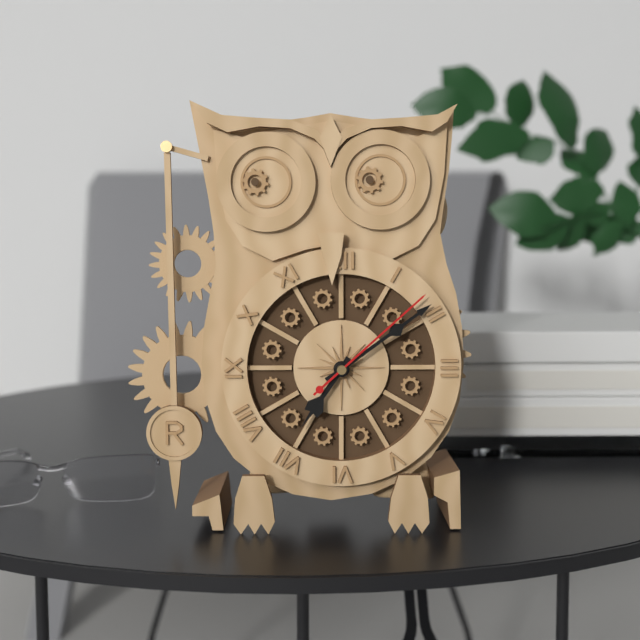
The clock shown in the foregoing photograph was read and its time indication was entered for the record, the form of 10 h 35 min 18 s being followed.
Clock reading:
7 h 09 min 08 s
